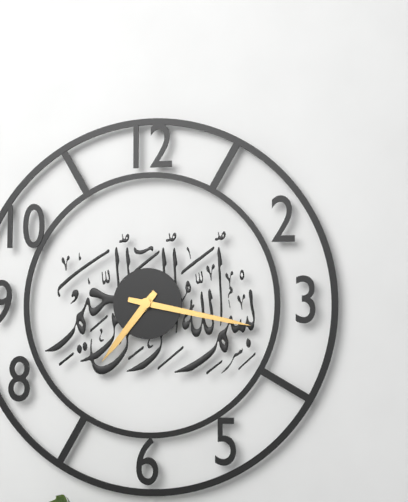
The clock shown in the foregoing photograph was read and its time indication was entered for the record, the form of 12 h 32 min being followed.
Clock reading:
7 h 17 min
